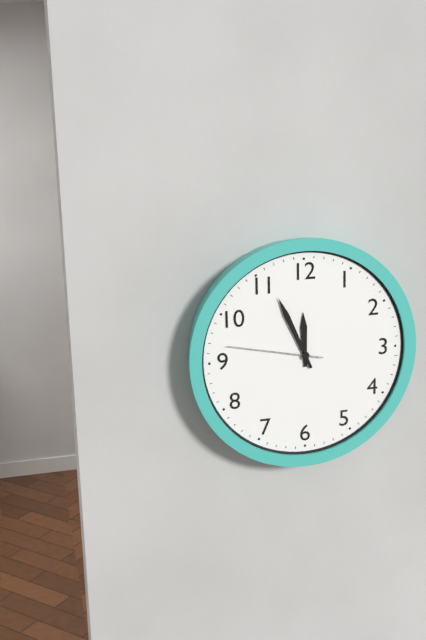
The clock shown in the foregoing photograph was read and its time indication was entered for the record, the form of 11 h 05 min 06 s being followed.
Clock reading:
11 h 56 min 47 s
